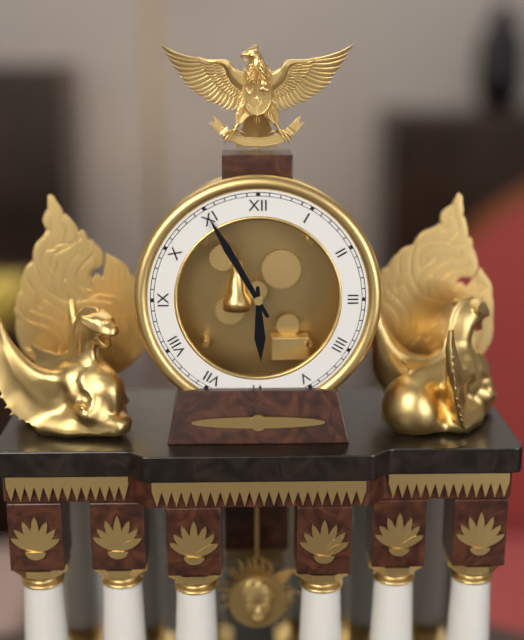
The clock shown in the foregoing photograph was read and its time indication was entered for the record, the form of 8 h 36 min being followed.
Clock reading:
5 h 55 min
